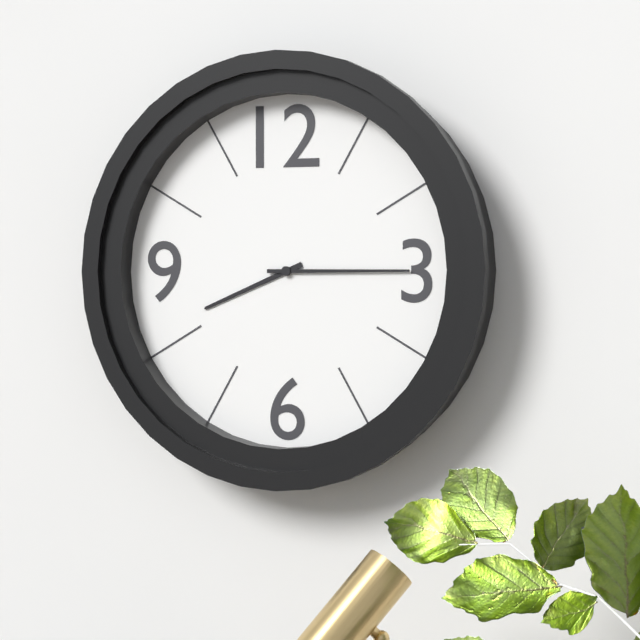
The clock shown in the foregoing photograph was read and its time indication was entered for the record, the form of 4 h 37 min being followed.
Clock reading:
8 h 15 min
